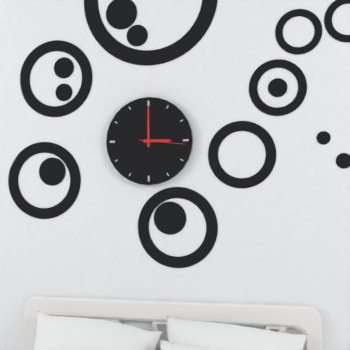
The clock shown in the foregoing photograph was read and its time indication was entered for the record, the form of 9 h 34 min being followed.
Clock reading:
3 h 00 min
